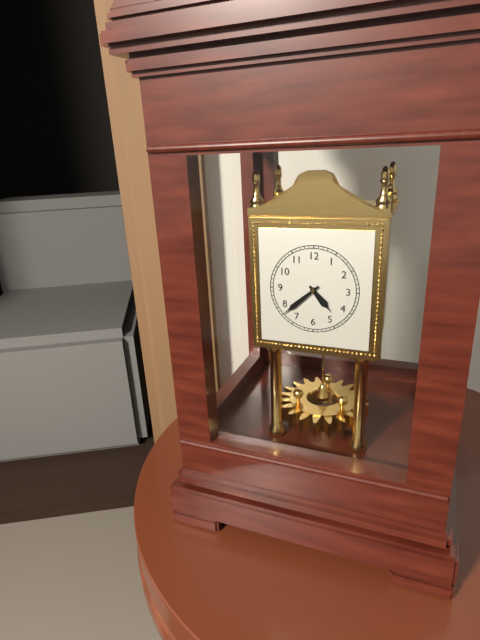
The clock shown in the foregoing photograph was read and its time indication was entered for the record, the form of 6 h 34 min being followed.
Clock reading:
4 h 38 min
